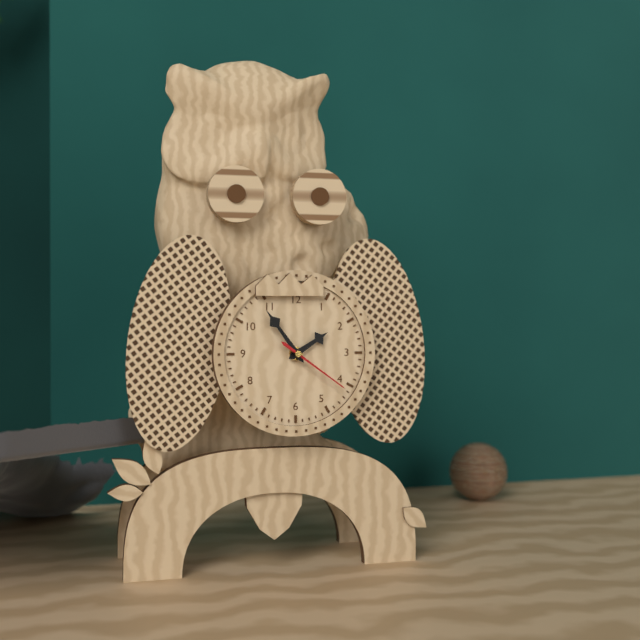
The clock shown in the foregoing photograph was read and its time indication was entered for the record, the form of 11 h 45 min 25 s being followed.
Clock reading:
1 h 54 min 21 s
